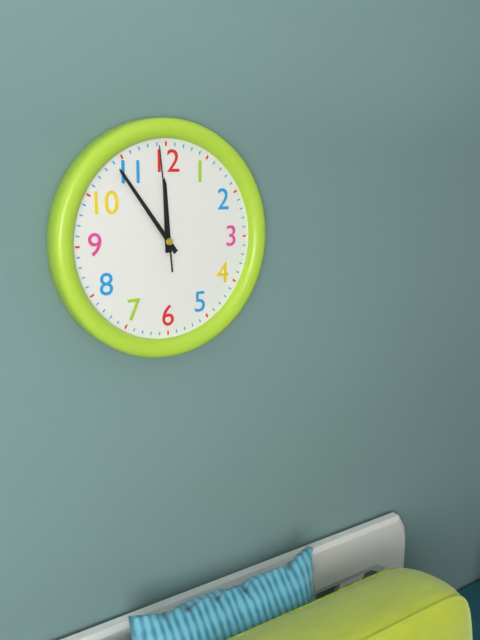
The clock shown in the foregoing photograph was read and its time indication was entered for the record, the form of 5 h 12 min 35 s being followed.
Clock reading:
11 h 54 min 59 s
